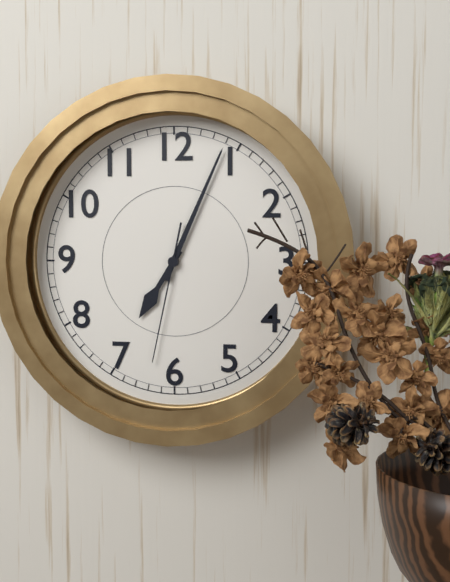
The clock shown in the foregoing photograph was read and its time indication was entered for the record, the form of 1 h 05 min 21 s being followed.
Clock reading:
7 h 04 min 32 s
